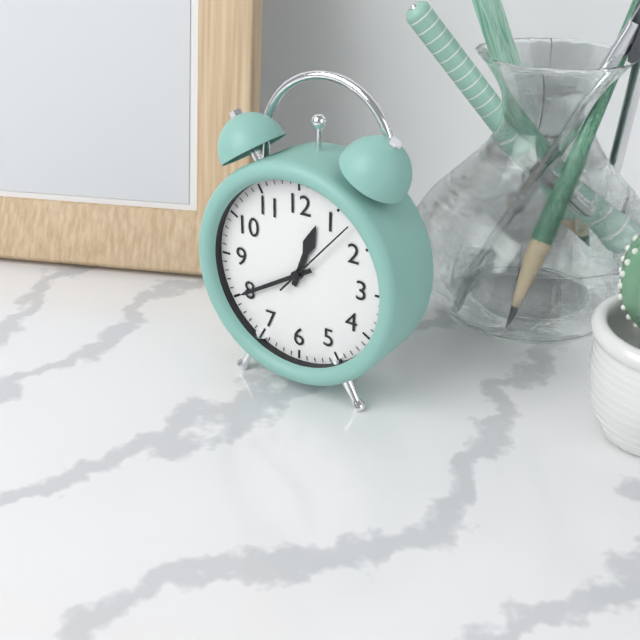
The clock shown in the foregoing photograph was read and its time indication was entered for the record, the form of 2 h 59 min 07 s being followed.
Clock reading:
12 h 40 min 07 s
